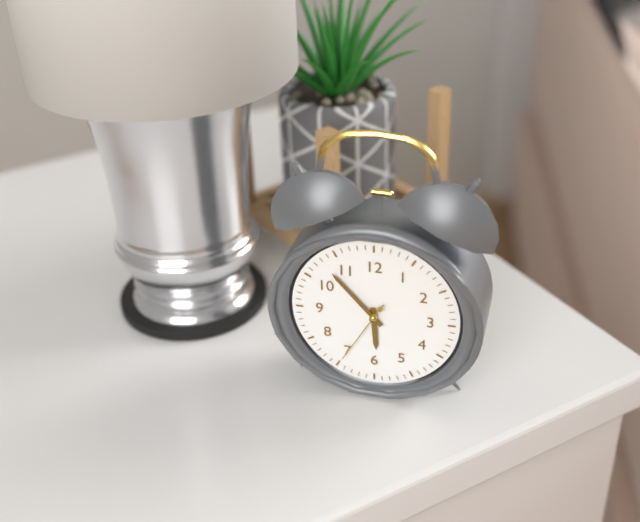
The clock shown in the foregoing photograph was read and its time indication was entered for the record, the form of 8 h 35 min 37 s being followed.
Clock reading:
5 h 53 min 35 s
